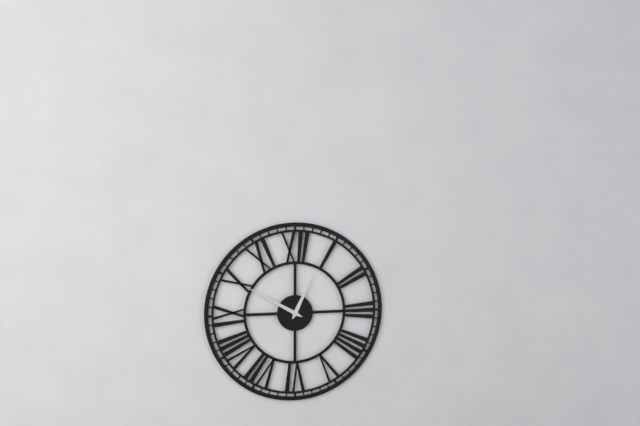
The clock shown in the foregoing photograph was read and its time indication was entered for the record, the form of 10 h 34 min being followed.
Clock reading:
12 h 50 min
